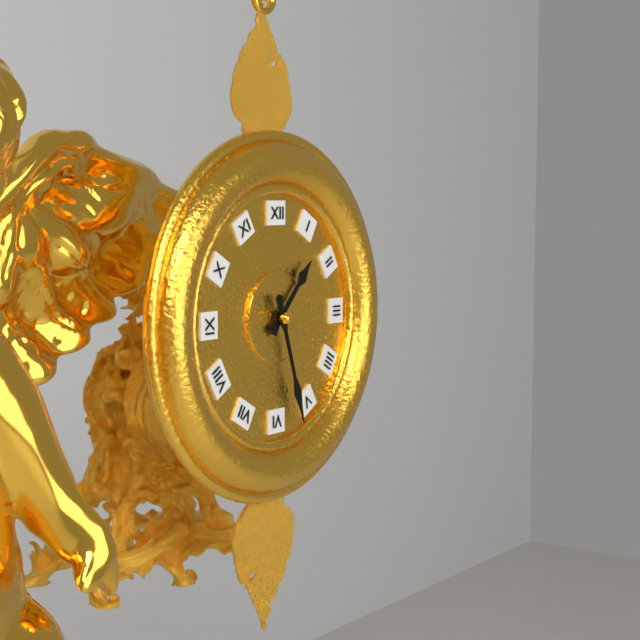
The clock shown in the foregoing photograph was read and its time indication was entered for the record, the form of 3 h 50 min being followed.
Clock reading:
1 h 27 min
